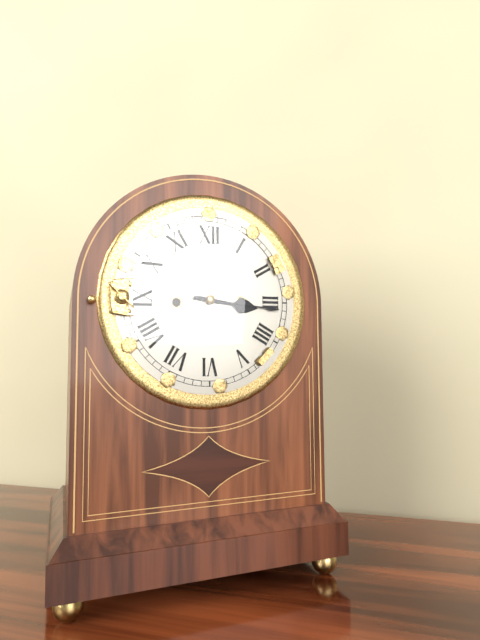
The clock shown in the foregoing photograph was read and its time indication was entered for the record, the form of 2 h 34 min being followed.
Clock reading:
3 h 16 min
